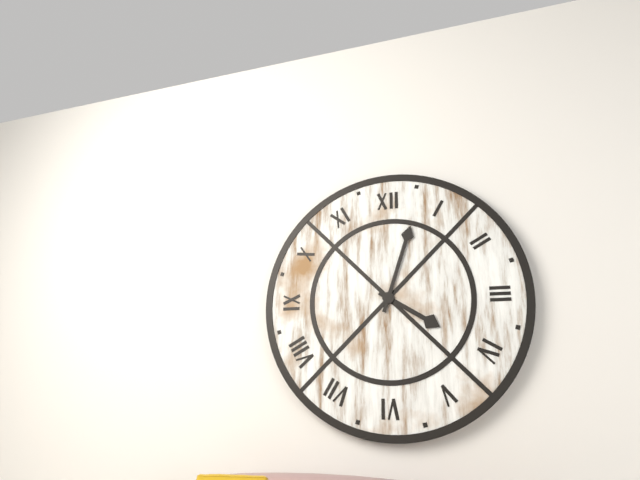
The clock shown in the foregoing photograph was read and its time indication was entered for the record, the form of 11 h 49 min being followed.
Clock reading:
4 h 03 min
